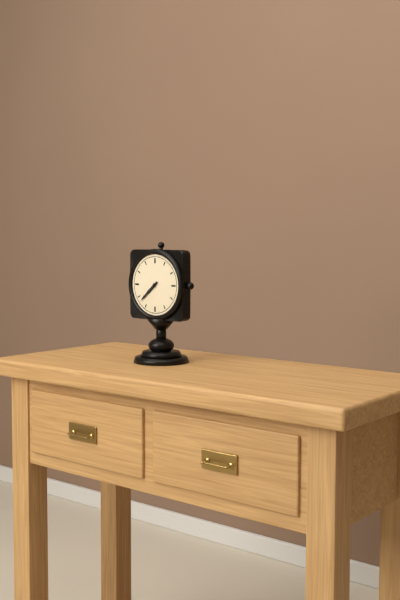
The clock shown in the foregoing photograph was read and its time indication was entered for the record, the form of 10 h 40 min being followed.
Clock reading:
7 h 38 min
